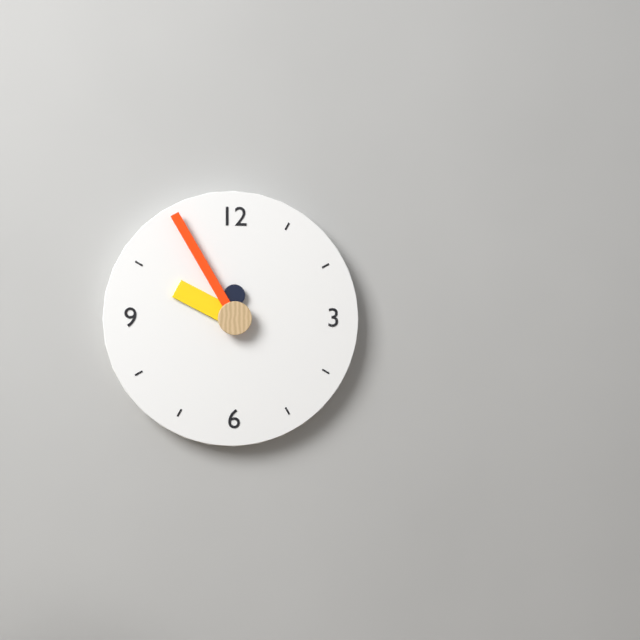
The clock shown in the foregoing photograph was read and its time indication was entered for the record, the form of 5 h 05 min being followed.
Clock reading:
9 h 55 min
